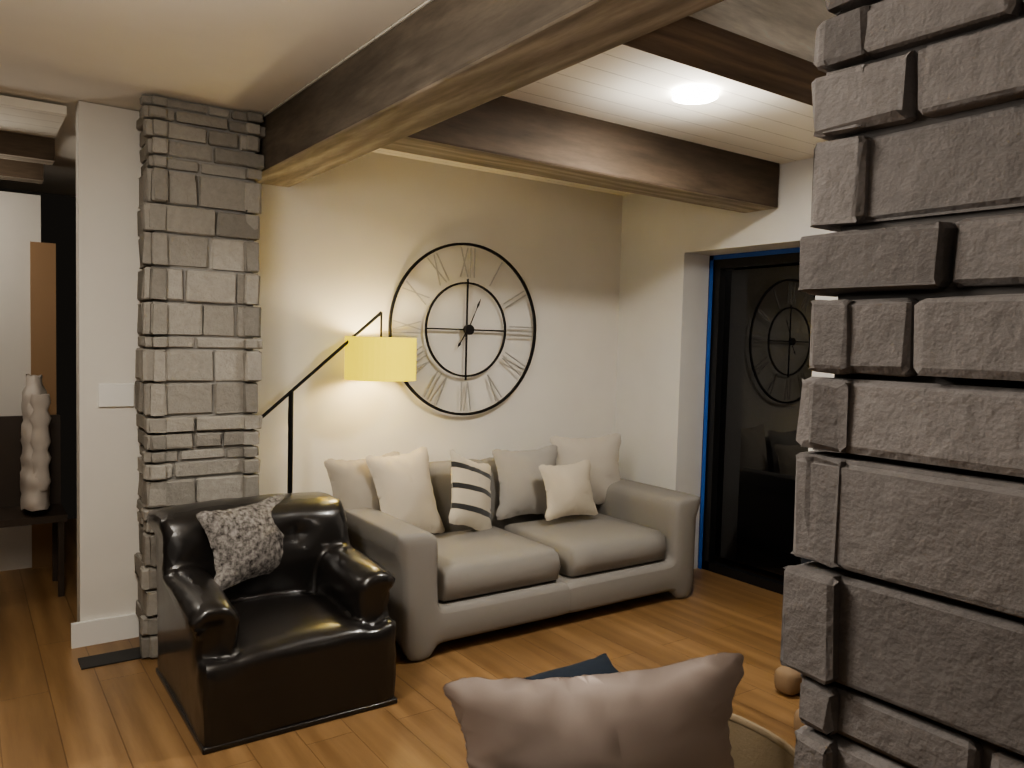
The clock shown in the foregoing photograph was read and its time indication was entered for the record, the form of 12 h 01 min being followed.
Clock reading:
7 h 04 min
